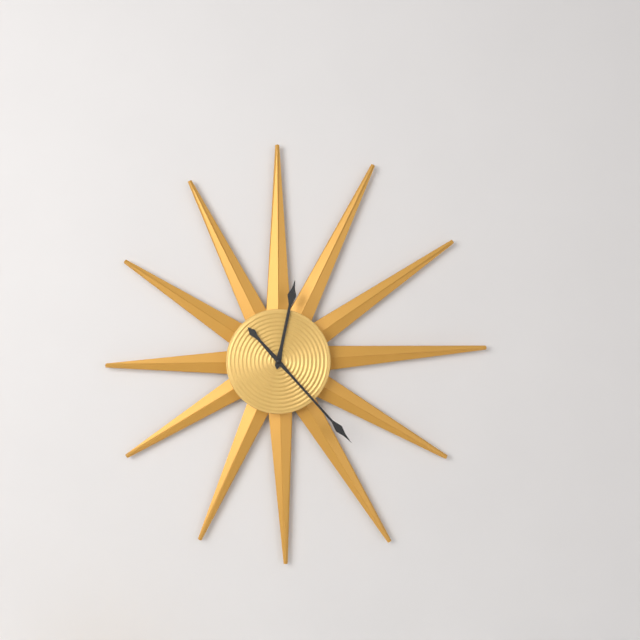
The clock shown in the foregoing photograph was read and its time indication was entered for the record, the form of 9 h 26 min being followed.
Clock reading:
12 h 23 min
